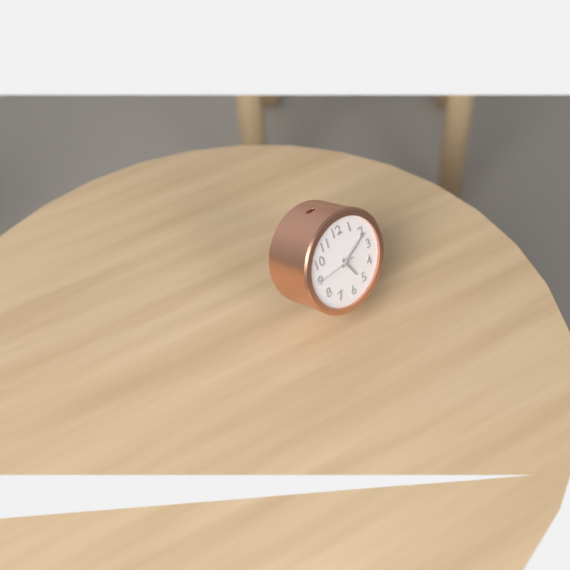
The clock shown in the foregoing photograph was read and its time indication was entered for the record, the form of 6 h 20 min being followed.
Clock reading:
5 h 11 min
